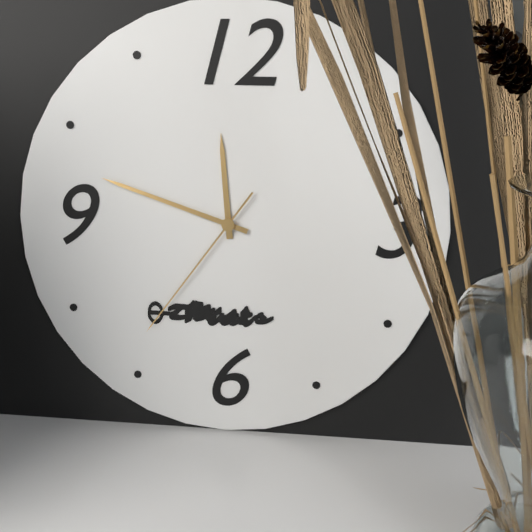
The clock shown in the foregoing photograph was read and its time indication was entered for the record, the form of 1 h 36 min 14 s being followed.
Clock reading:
11 h 48 min 36 s
